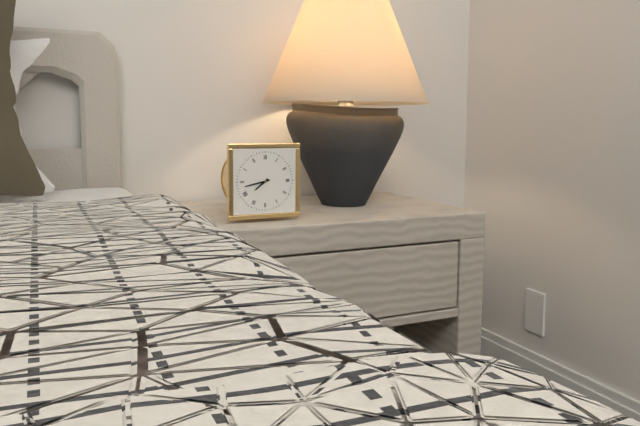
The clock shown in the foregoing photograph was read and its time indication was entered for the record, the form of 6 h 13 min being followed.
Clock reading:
7 h 43 min
